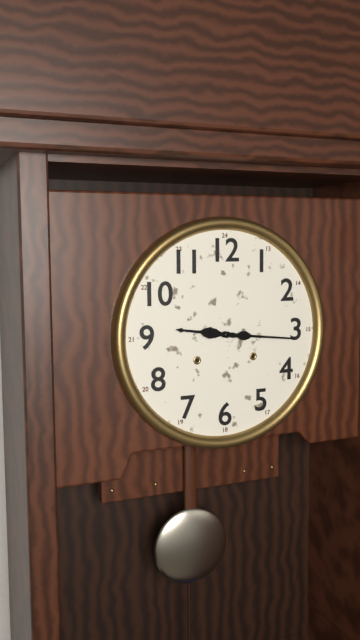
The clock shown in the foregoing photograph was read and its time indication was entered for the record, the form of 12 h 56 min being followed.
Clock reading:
9 h 16 min
